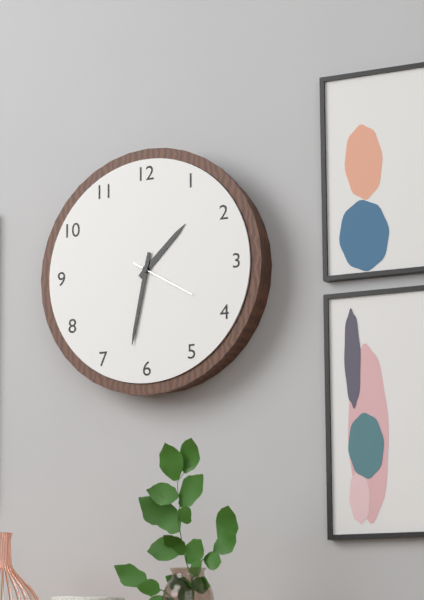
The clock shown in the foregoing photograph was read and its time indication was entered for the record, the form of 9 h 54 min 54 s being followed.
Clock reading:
1 h 32 min 20 s
